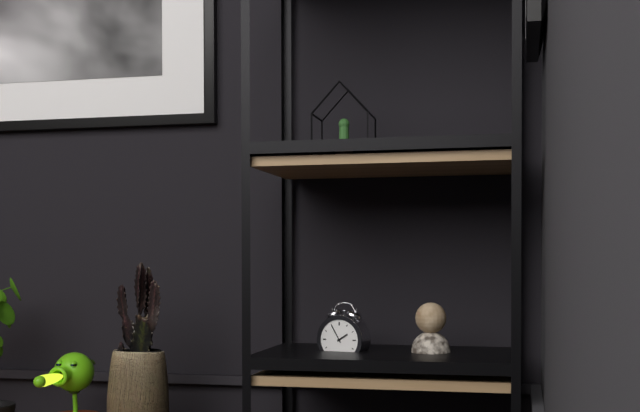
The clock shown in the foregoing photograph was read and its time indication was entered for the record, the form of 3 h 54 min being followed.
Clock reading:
1 h 55 min
